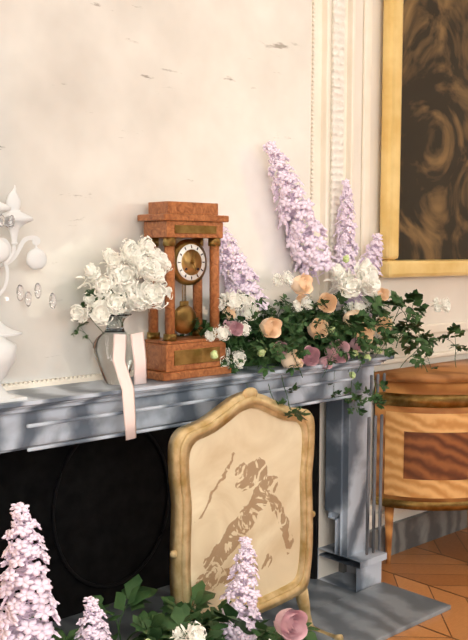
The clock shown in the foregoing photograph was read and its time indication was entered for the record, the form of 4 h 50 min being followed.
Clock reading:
12 h 26 min
